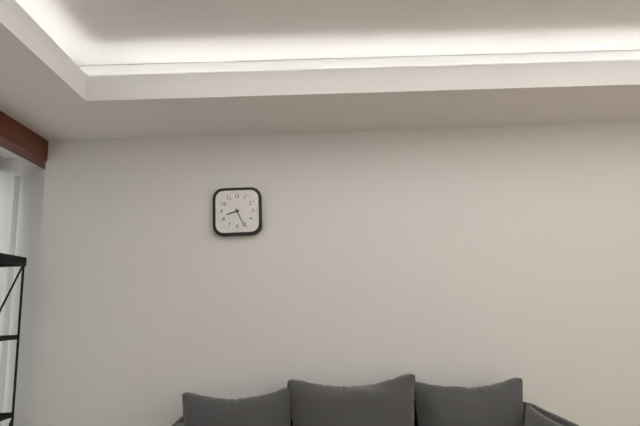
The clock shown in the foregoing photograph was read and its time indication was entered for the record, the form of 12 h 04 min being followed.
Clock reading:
8 h 26 min
